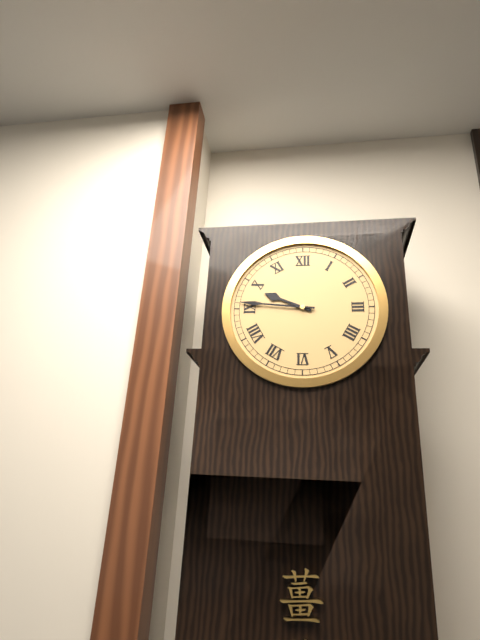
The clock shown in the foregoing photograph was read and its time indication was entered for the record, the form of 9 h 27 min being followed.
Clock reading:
9 h 46 min
